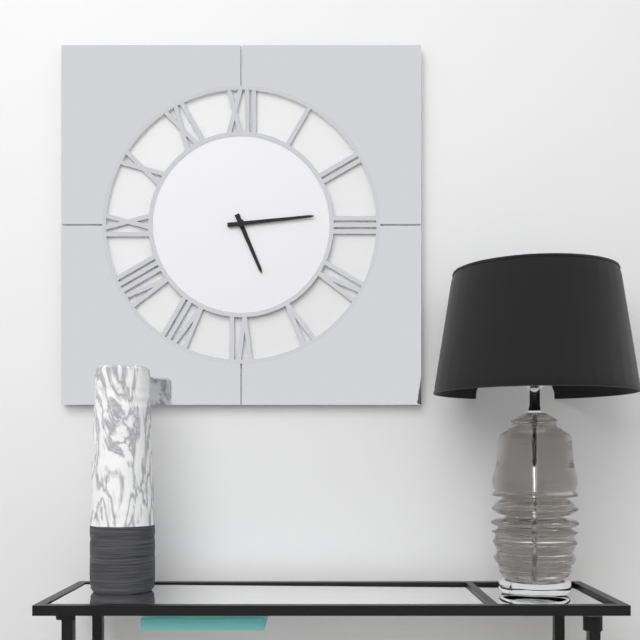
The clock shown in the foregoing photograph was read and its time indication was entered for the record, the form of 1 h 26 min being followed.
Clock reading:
5 h 14 min
